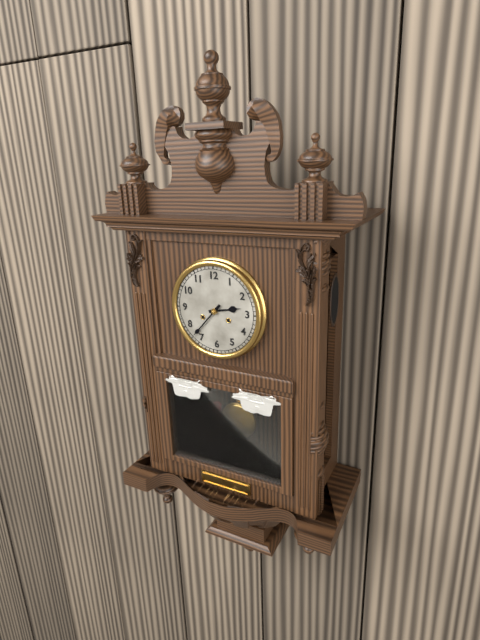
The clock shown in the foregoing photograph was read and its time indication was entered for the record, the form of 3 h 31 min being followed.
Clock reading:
2 h 37 min
